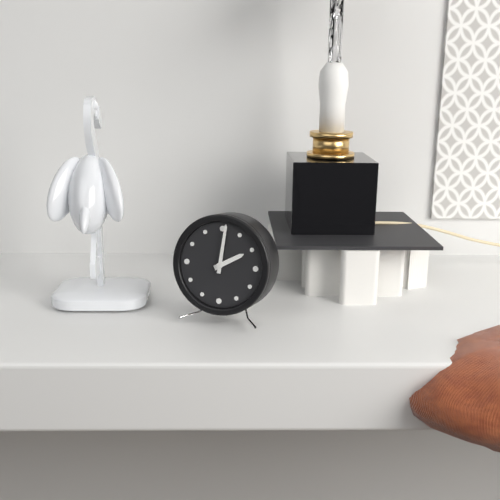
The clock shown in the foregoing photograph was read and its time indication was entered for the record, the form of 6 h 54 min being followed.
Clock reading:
2 h 01 min
